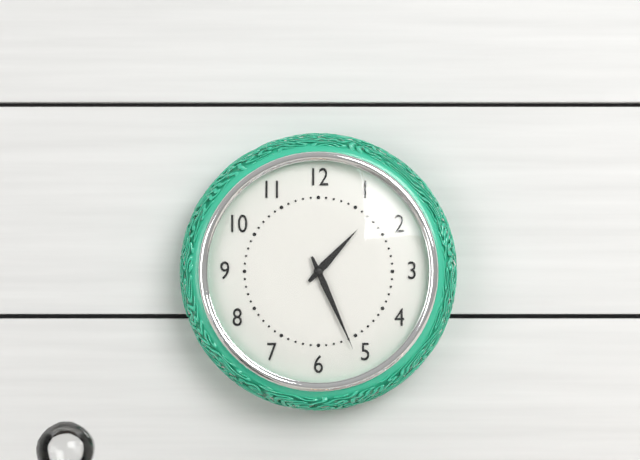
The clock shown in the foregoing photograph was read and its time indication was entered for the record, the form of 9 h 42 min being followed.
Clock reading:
1 h 26 min
